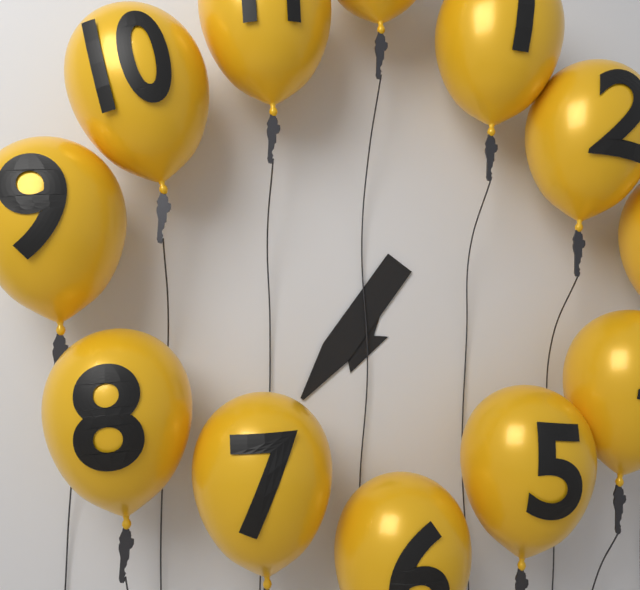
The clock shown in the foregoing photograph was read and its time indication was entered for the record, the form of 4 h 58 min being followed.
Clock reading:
6 h 36 min
